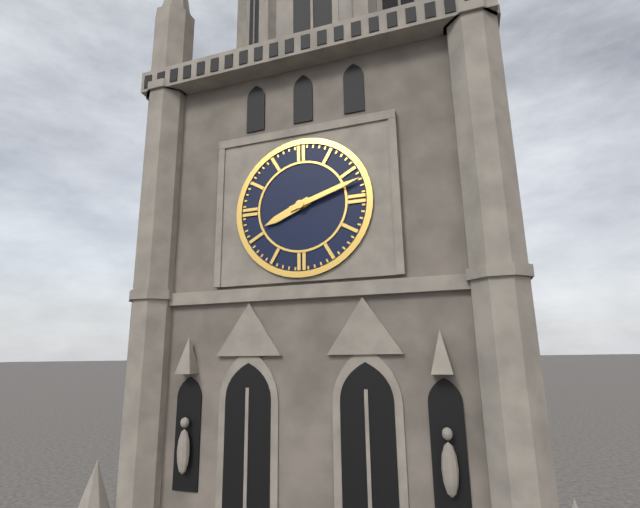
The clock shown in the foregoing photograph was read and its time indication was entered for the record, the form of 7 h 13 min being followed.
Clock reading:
8 h 12 min
